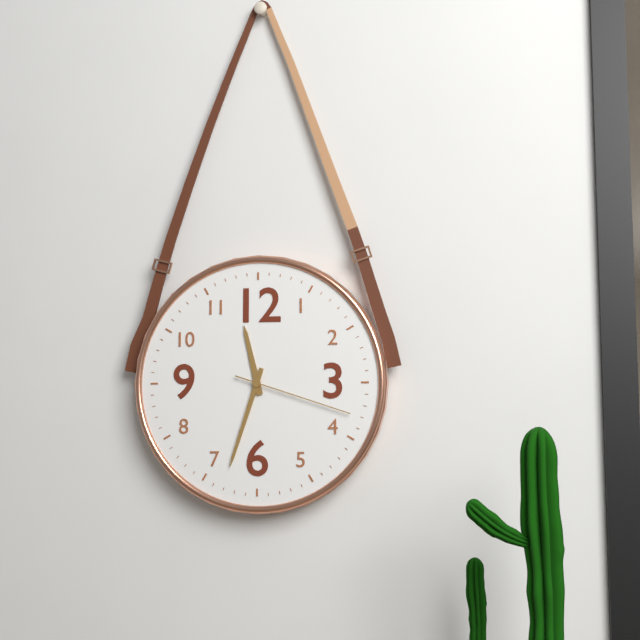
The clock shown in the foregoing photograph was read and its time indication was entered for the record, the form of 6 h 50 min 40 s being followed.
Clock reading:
11 h 33 min 18 s
